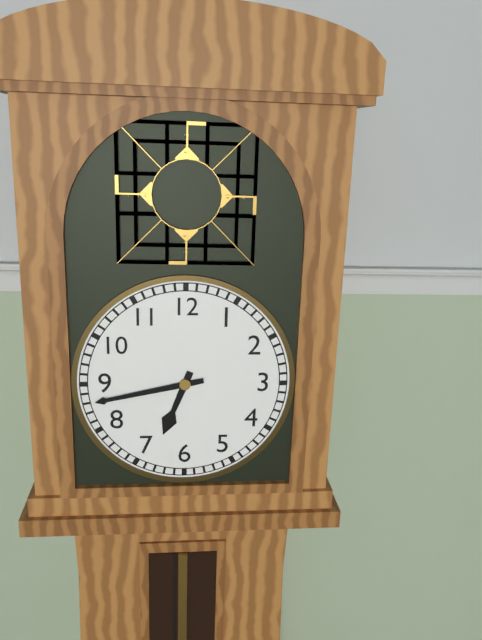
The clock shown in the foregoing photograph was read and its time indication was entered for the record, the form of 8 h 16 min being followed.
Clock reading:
6 h 43 min
